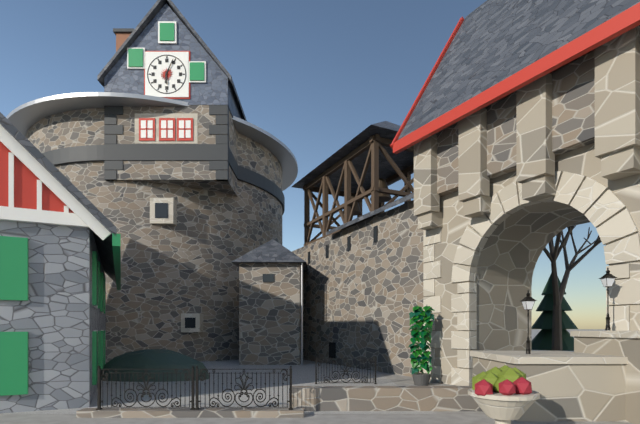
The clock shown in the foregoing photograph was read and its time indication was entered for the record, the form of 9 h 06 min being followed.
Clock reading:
6 h 04 min
